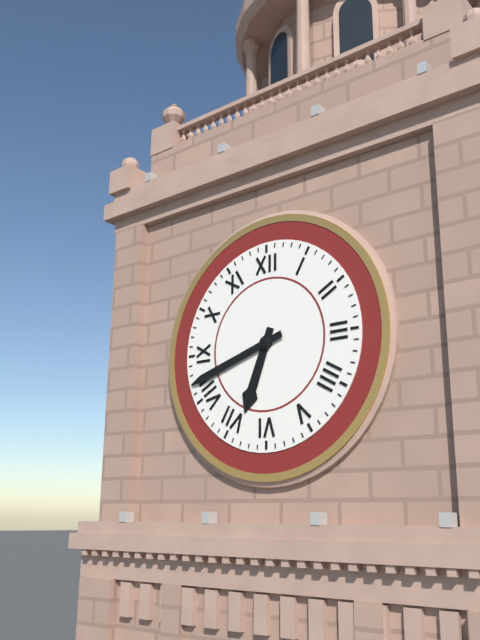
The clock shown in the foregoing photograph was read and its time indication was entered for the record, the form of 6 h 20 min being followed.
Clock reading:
6 h 42 min
